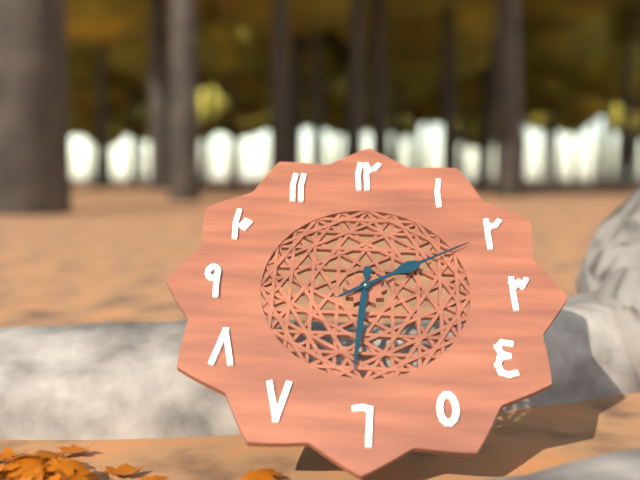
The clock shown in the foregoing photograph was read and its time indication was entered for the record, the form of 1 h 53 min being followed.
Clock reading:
6 h 10 min
